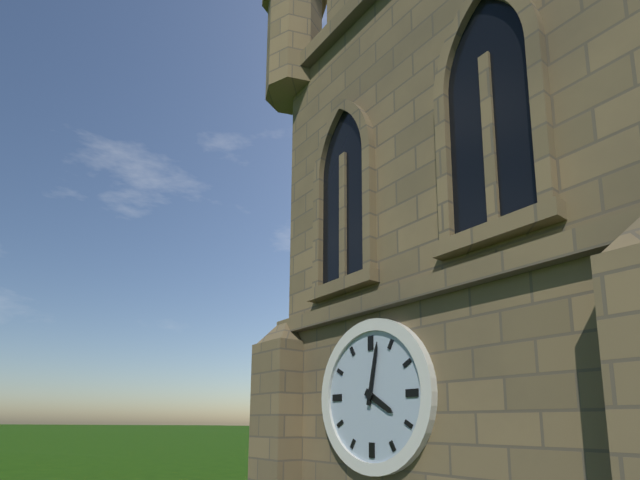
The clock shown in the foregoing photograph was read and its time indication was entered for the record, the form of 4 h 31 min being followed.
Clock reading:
4 h 02 min
